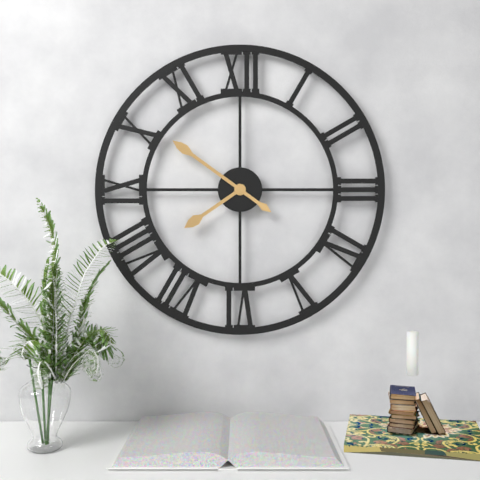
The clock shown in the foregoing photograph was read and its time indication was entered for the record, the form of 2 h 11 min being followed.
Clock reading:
7 h 51 min
